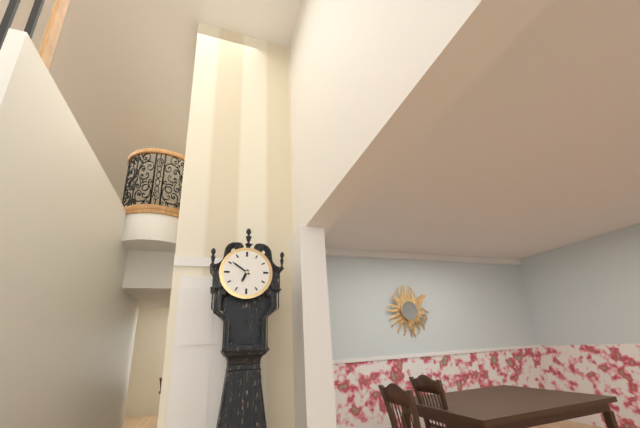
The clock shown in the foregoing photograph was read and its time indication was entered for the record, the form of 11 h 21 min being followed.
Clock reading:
6 h 51 min
